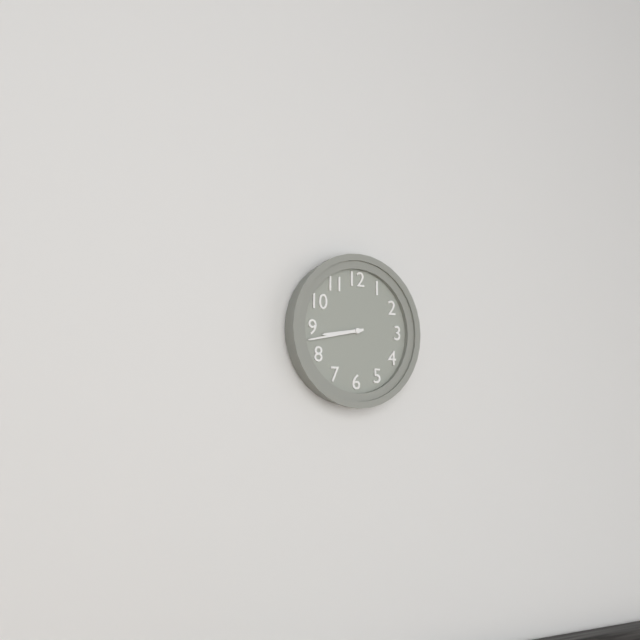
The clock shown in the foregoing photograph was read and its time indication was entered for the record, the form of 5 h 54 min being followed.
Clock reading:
8 h 43 min
